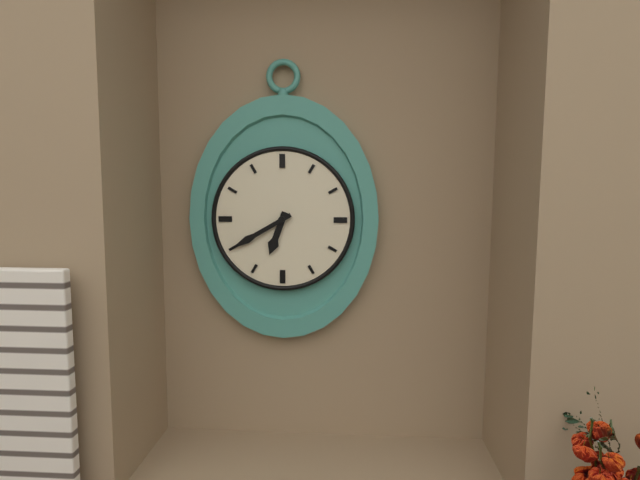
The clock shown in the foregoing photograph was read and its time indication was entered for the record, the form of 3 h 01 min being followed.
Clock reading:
6 h 40 min
